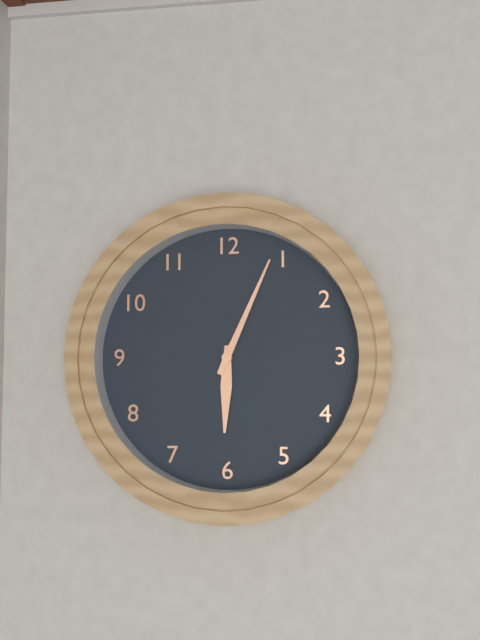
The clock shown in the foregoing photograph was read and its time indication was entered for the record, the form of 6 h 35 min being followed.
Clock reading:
6 h 04 min
